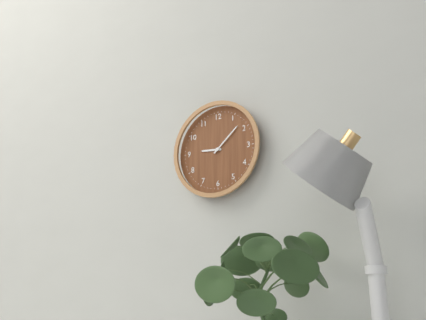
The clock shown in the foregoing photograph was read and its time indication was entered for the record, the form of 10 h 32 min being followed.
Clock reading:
9 h 08 min
